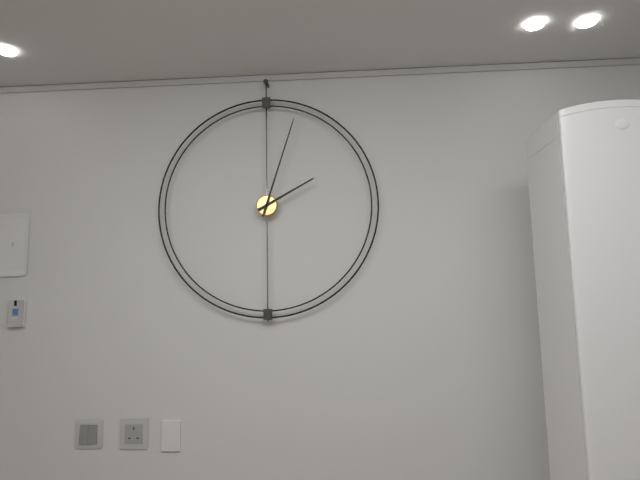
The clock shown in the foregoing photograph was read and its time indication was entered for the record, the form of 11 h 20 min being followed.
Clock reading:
2 h 03 min
